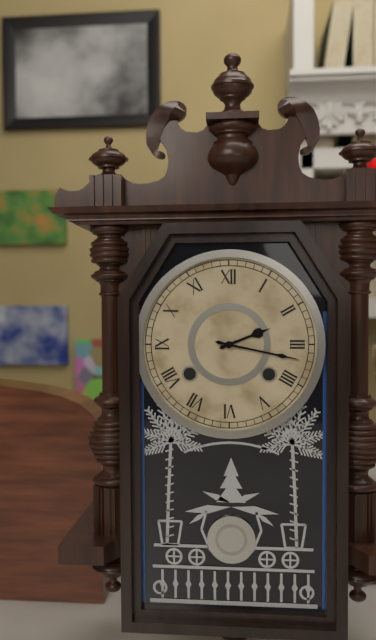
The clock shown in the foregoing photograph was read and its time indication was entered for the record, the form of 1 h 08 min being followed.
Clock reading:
2 h 17 min
